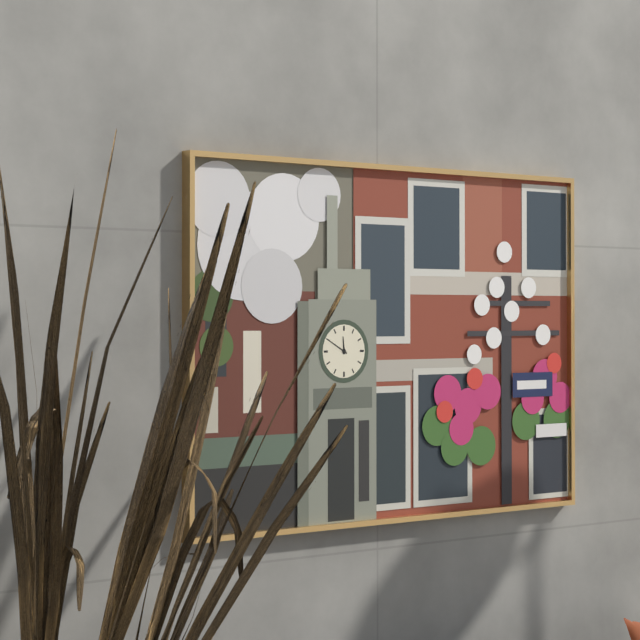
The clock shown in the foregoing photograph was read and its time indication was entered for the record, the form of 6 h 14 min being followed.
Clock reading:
11 h 50 min
